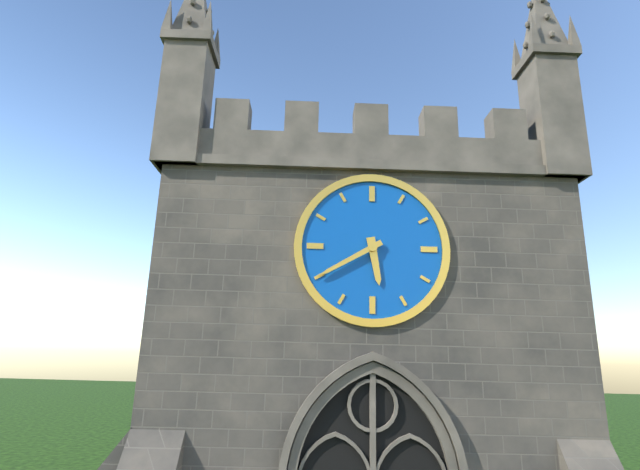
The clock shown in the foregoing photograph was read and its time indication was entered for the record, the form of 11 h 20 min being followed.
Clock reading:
5 h 40 min
